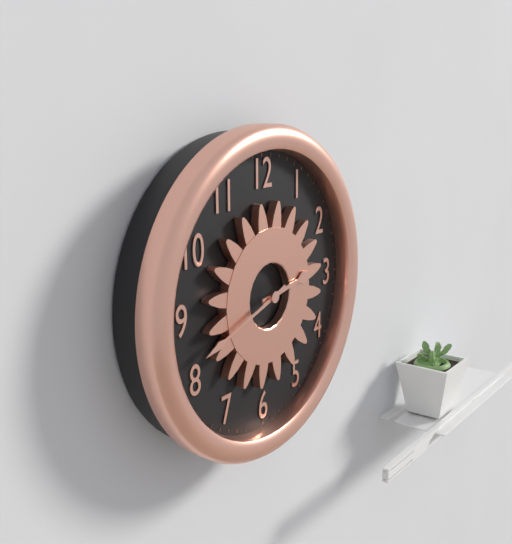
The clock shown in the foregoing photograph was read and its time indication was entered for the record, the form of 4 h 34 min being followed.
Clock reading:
2 h 42 min
